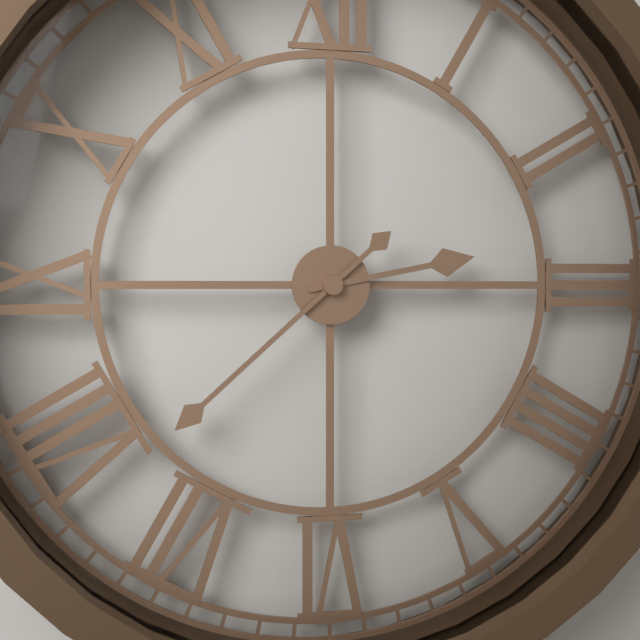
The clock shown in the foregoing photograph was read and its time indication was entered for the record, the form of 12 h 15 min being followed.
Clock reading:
2 h 38 min
